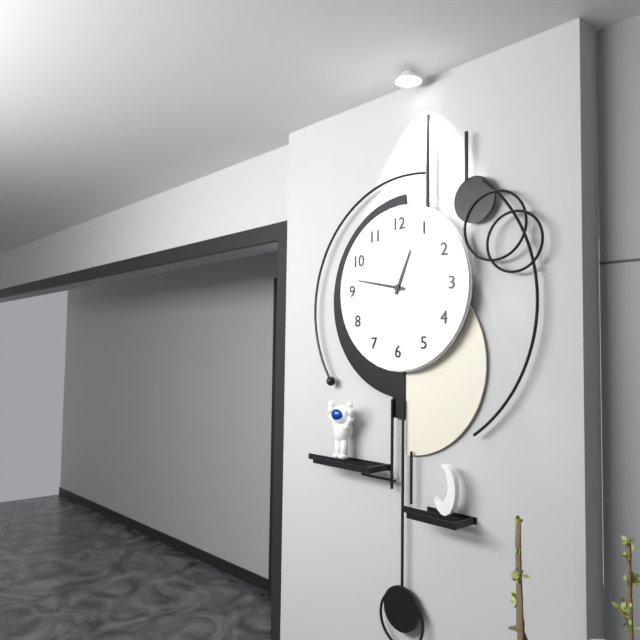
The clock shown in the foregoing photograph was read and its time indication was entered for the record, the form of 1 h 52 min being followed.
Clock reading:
12 h 47 min
